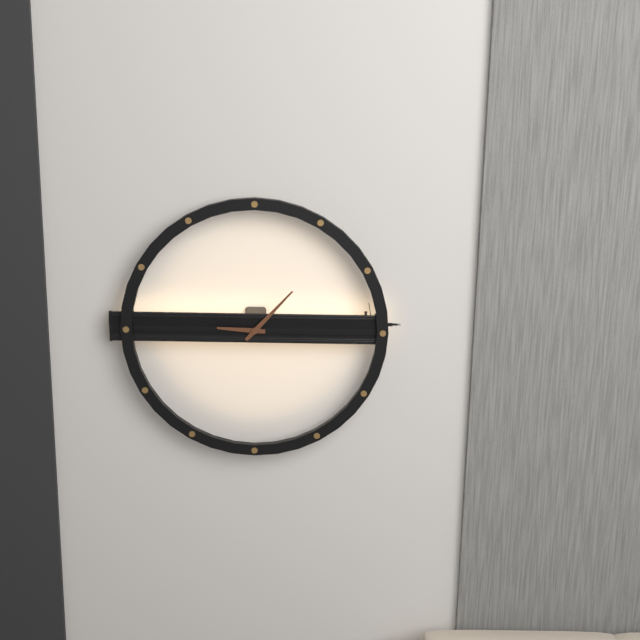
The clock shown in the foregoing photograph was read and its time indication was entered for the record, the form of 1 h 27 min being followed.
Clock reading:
9 h 07 min
